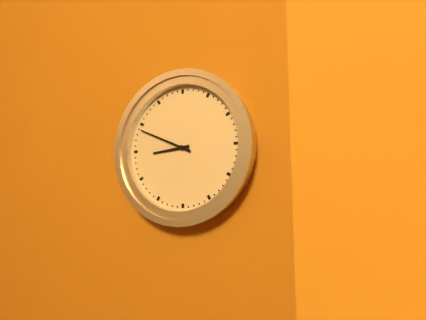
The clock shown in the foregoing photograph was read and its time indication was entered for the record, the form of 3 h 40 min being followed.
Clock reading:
8 h 49 min
